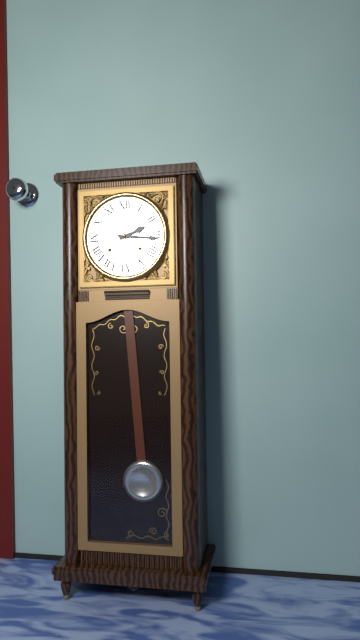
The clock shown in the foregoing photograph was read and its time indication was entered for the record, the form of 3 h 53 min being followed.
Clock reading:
2 h 16 min
